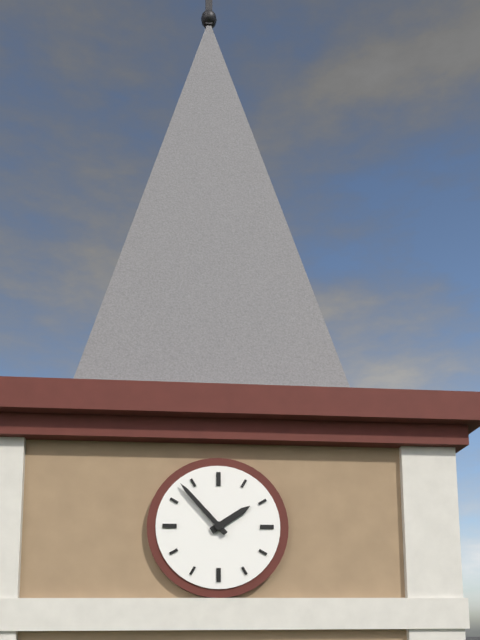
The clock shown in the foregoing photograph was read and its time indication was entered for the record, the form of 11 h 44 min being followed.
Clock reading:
1 h 53 min
